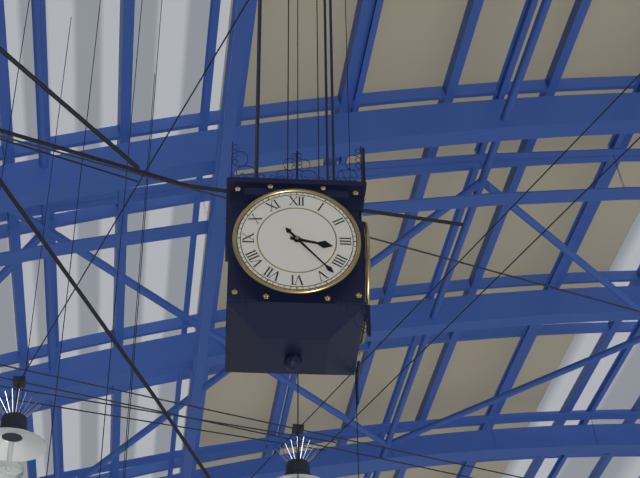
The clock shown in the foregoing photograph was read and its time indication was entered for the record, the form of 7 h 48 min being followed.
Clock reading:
3 h 23 min
